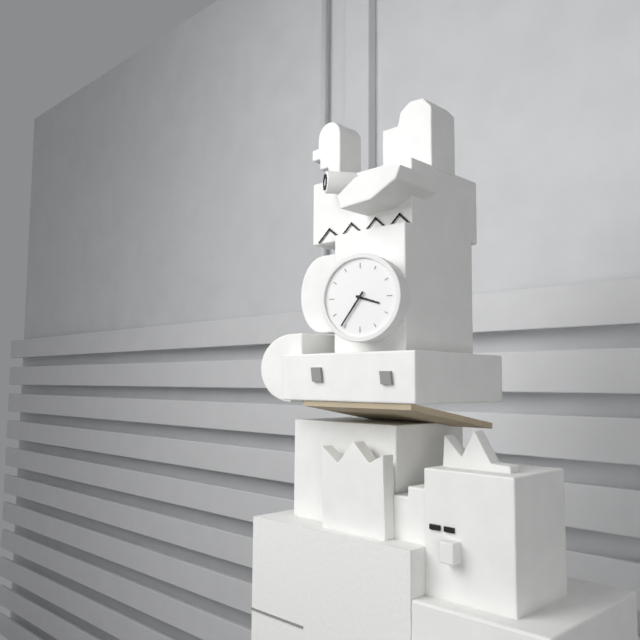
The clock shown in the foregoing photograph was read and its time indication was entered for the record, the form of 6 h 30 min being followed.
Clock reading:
3 h 36 min
